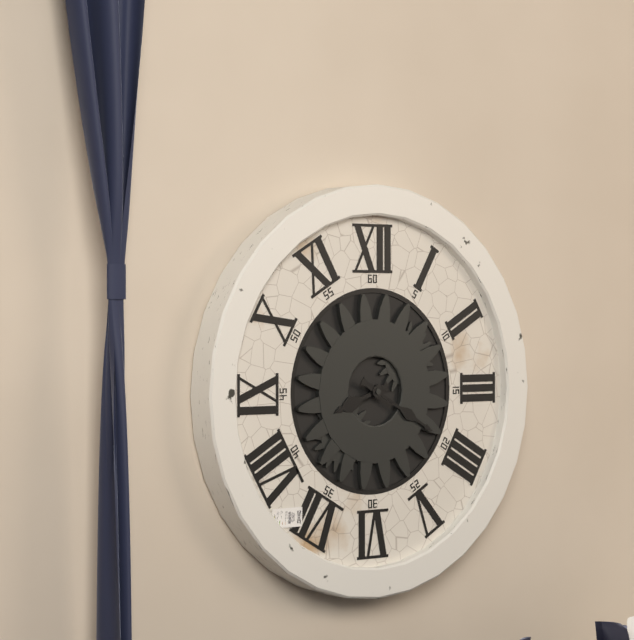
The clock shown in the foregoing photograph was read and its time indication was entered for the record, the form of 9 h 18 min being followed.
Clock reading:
8 h 20 min
